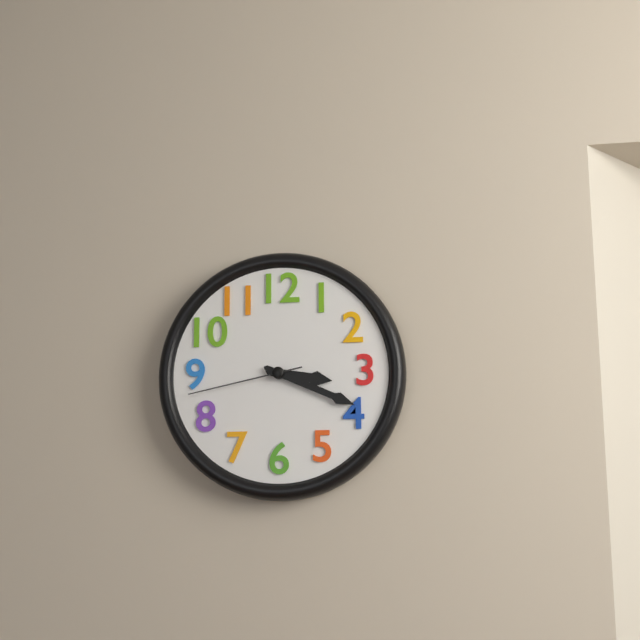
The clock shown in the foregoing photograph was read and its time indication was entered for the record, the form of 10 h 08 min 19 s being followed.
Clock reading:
3 h 19 min 43 s
